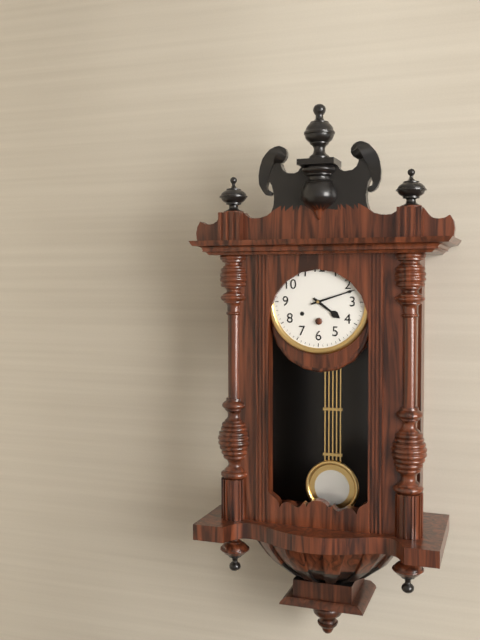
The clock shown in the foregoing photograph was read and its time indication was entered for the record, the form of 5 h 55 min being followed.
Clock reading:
4 h 12 min
